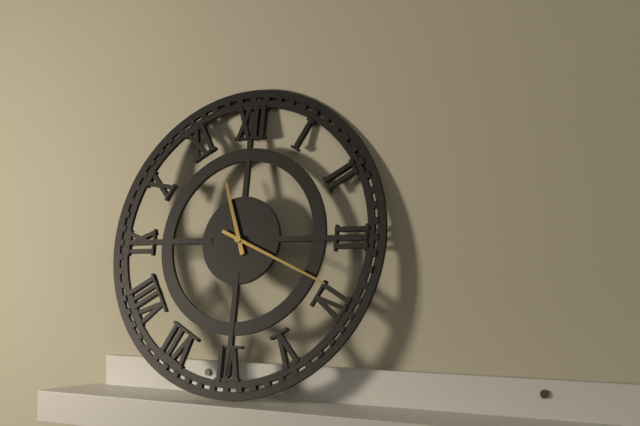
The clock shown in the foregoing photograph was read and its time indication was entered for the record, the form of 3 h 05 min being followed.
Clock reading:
11 h 19 min
